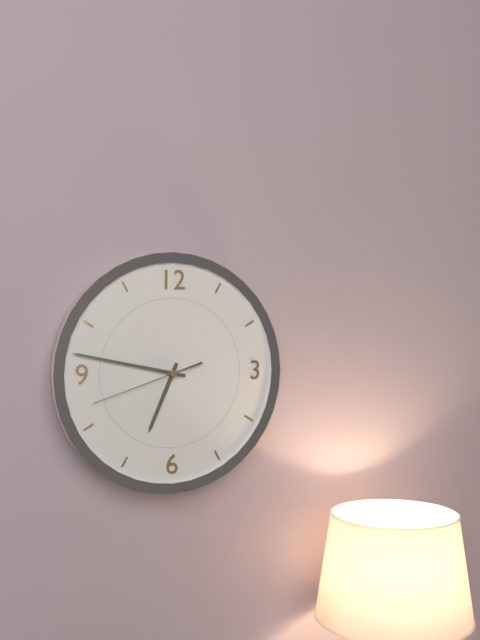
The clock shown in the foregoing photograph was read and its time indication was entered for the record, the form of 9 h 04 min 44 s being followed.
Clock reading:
6 h 47 min 42 s
